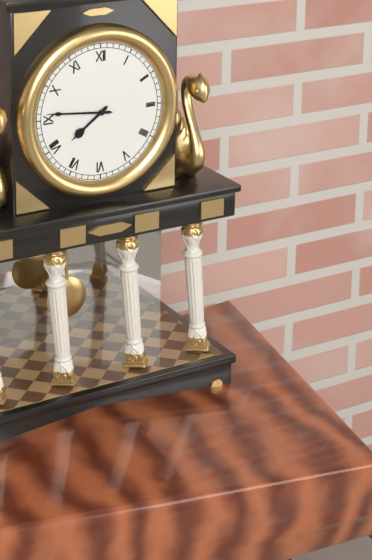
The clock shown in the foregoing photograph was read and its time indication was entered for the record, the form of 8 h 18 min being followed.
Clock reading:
7 h 46 min
